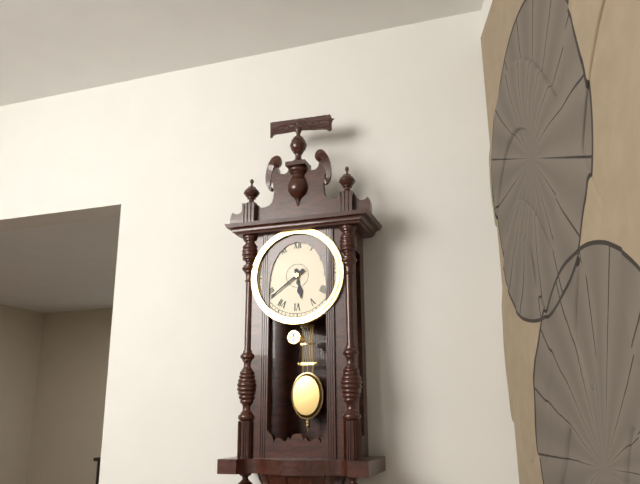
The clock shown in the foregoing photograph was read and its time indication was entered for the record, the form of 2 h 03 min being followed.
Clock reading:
5 h 39 min
